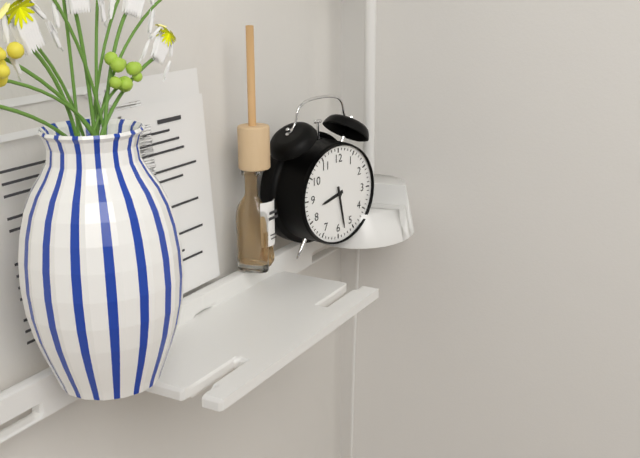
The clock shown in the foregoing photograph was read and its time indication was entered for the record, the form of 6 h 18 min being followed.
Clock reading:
8 h 28 min
